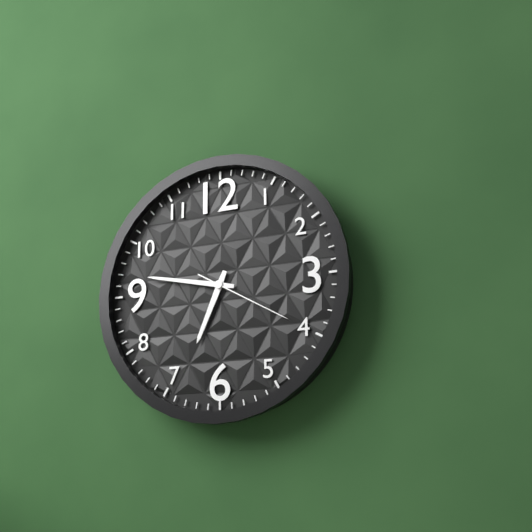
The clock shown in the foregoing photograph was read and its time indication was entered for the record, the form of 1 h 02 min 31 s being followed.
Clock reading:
6 h 47 min 20 s
